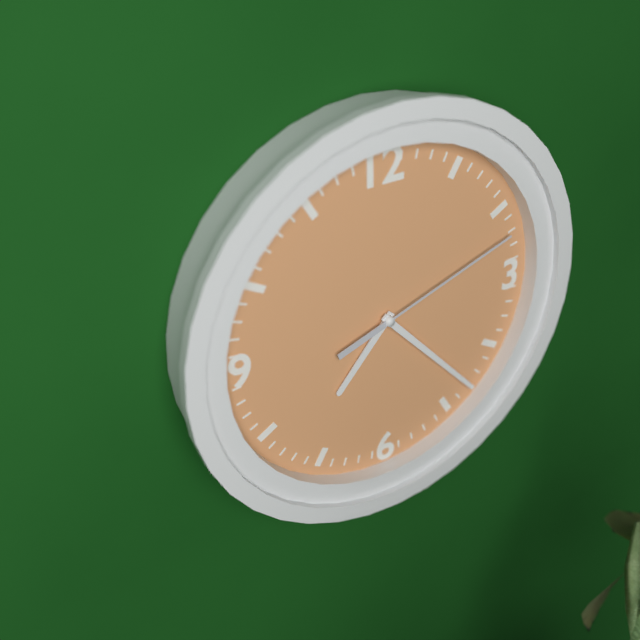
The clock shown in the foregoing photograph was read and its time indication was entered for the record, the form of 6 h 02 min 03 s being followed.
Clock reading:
7 h 23 min 12 s
